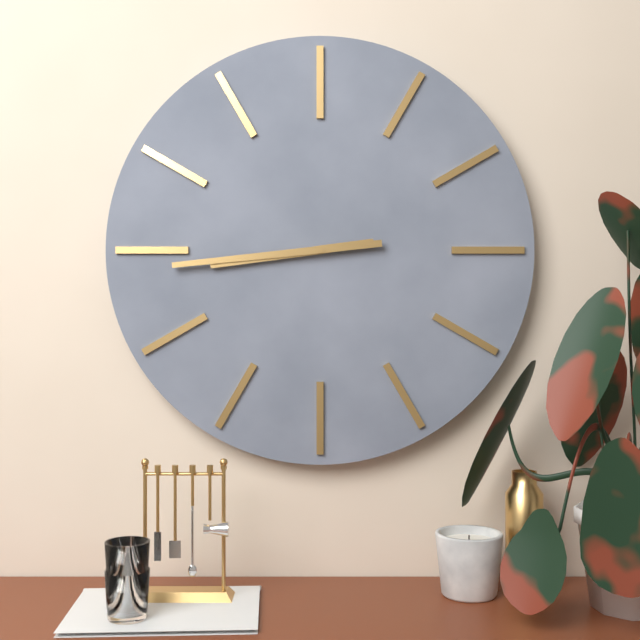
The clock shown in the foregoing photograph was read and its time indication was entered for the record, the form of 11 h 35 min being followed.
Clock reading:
8 h 44 min
